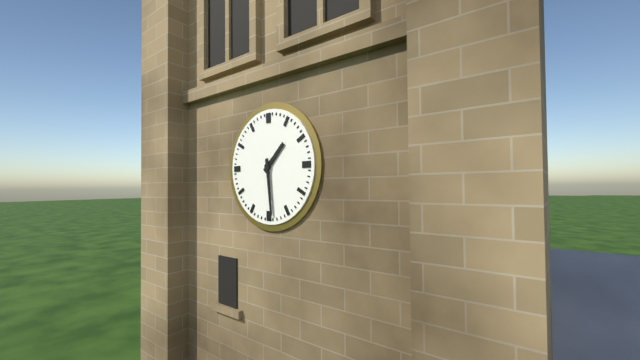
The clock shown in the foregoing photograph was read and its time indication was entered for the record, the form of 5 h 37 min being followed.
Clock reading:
1 h 29 min
